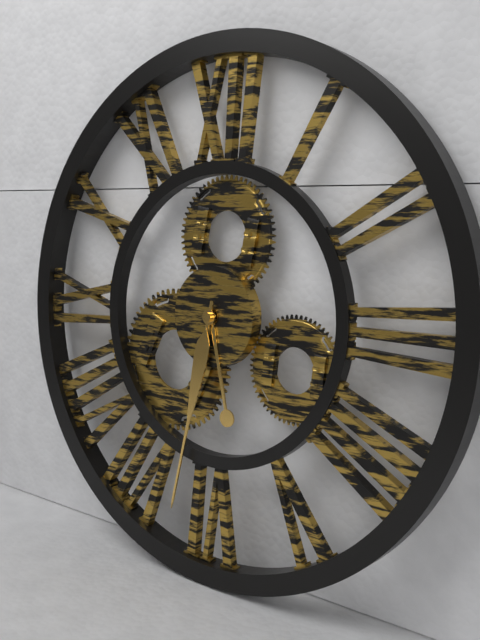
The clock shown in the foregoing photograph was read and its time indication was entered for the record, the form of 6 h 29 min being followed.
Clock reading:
5 h 32 min
